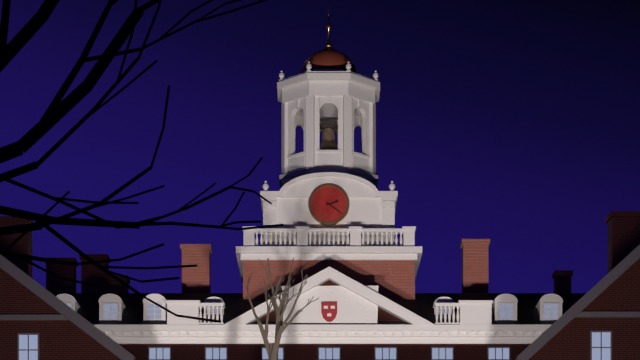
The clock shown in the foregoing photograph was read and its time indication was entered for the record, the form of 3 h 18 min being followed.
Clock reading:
2 h 21 min
